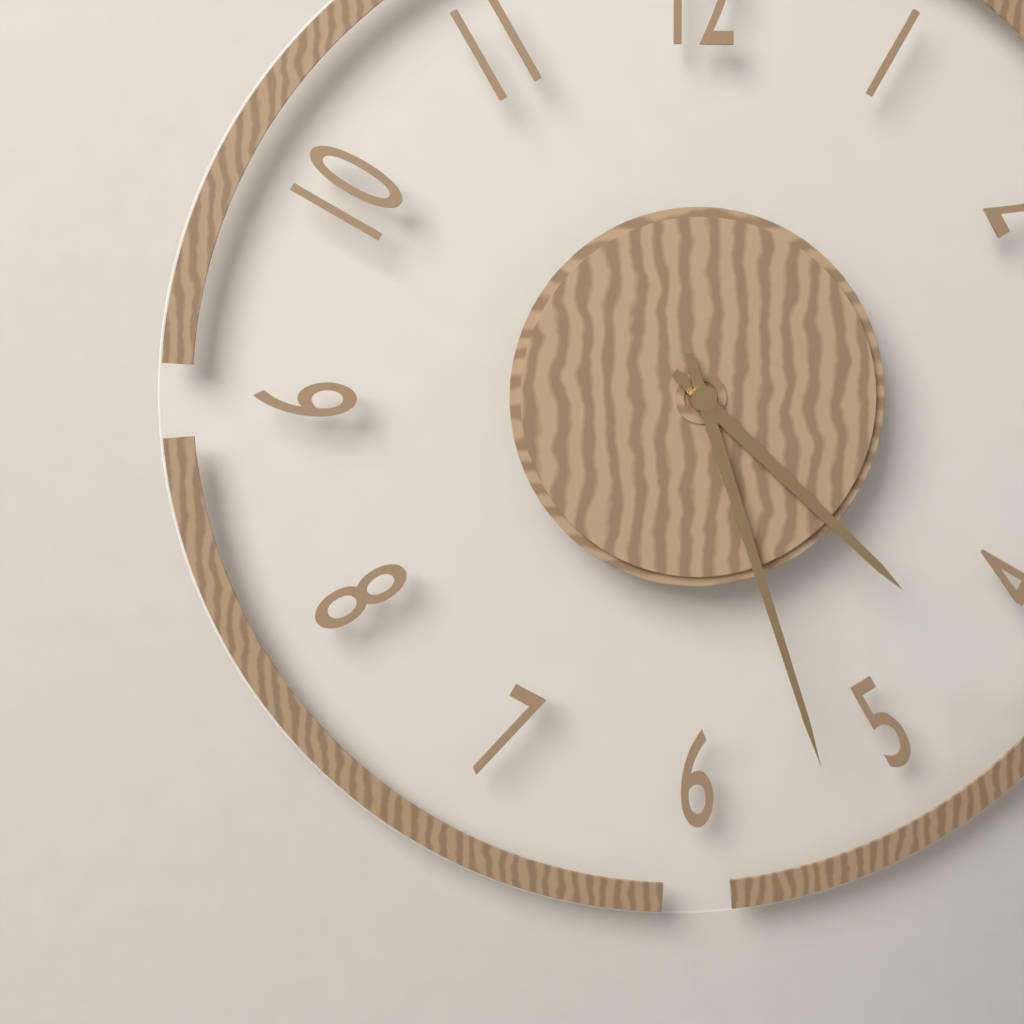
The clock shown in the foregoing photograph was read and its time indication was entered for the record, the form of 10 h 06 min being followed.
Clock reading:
4 h 27 min
